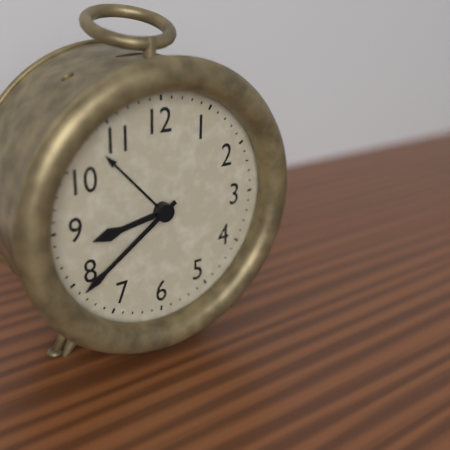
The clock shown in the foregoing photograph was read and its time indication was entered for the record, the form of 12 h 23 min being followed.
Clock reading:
8 h 39 min
